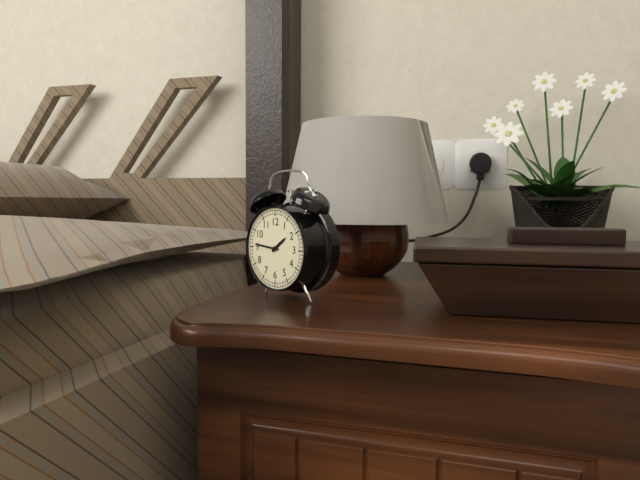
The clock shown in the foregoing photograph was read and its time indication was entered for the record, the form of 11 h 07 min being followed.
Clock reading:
1 h 46 min
